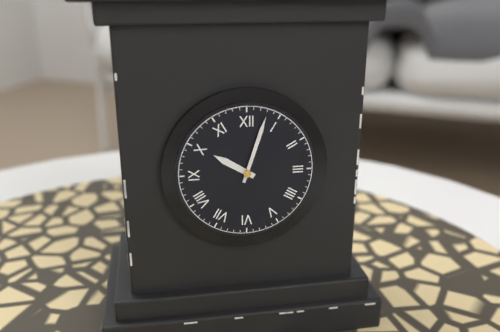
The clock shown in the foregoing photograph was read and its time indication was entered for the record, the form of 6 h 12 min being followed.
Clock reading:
10 h 03 min
